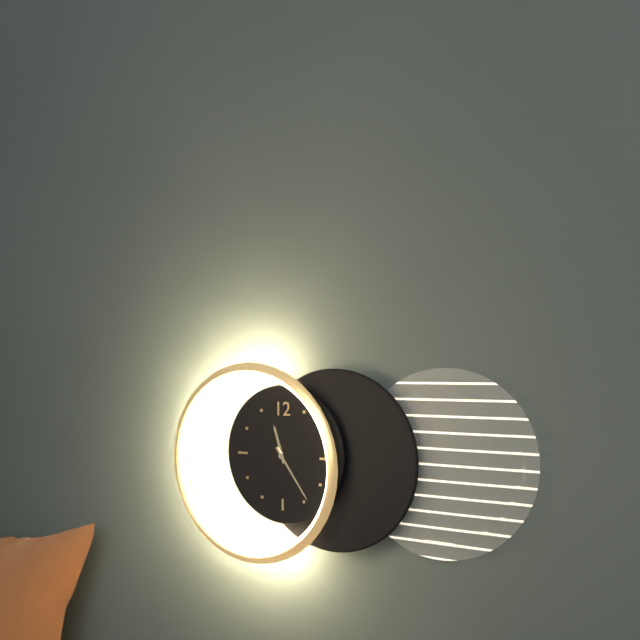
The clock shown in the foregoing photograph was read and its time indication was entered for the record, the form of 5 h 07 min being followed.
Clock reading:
11 h 24 min
